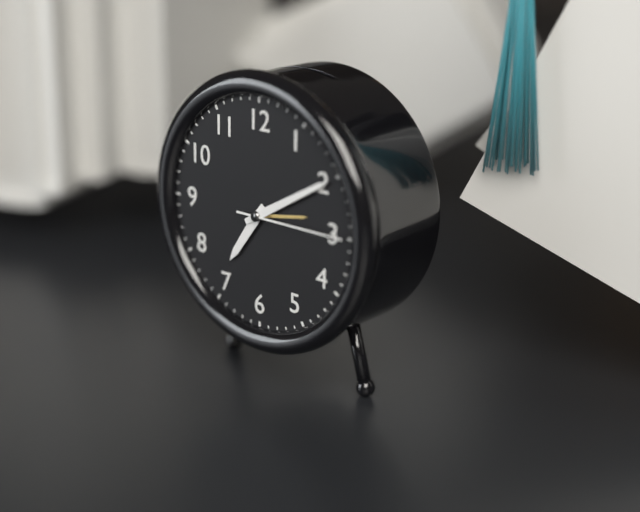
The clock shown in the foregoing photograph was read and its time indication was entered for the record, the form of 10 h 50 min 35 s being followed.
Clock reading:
7 h 10 min 15 s
